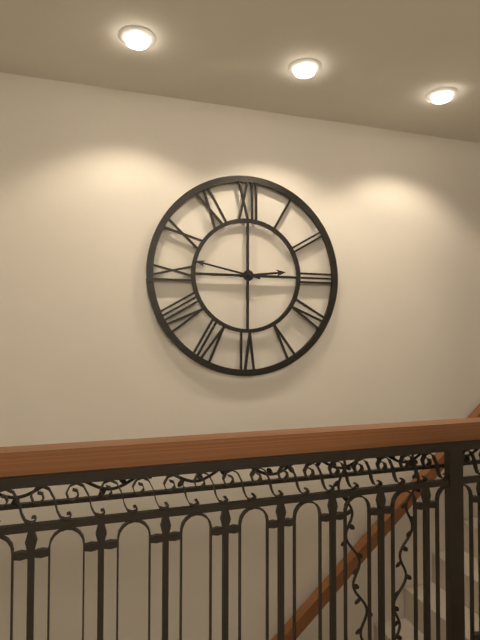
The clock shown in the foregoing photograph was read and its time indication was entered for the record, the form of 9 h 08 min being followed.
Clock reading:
2 h 47 min
